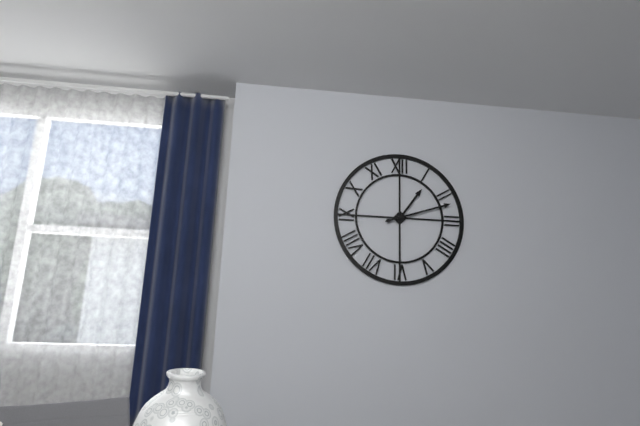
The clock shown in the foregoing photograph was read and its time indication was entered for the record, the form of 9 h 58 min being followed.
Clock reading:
1 h 12 min
